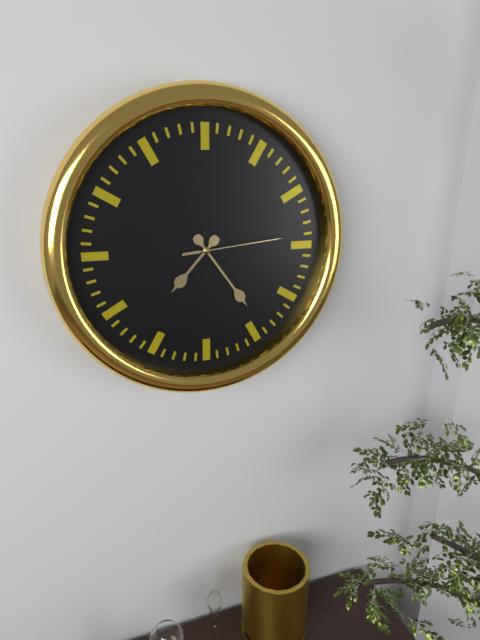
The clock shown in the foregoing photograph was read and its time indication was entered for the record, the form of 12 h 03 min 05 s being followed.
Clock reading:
7 h 24 min 14 s
